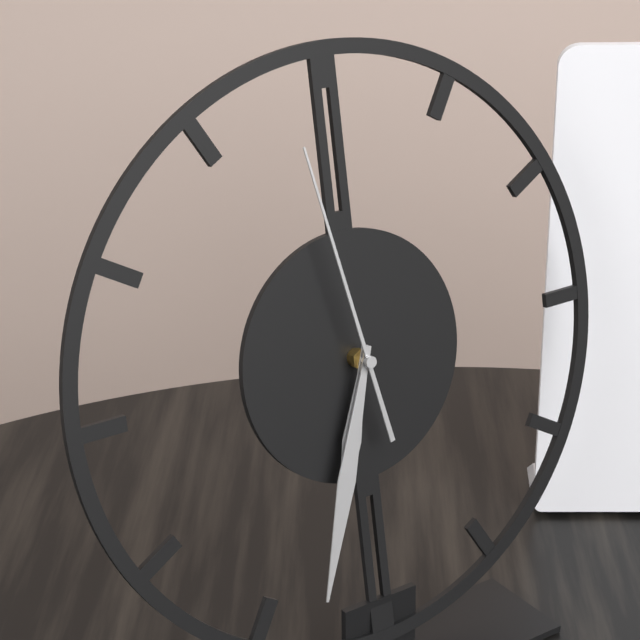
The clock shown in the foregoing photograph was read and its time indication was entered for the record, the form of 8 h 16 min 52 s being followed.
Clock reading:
6 h 33 min 58 s
